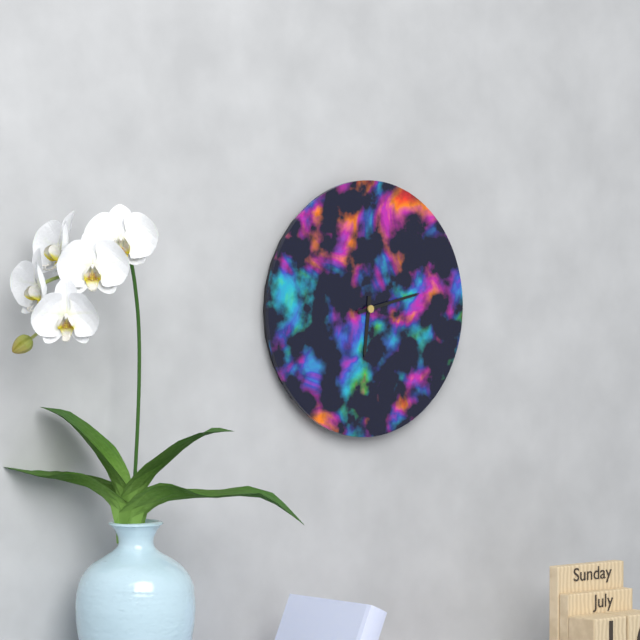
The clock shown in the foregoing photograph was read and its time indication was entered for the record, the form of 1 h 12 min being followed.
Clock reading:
6 h 13 min
